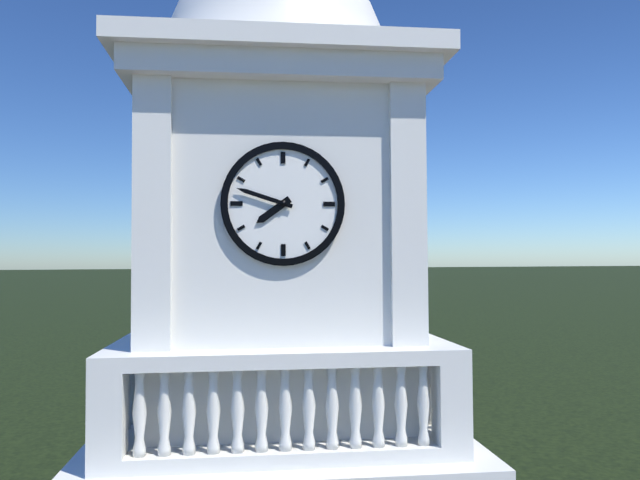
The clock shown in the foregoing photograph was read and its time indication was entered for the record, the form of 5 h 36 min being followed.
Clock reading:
7 h 48 min
